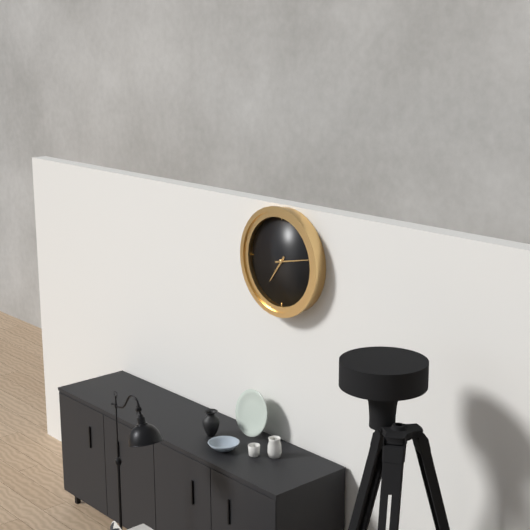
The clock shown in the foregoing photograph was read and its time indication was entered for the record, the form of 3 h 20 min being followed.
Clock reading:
7 h 13 min
